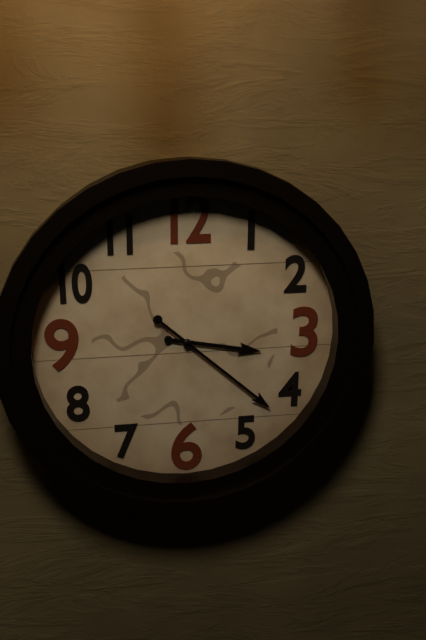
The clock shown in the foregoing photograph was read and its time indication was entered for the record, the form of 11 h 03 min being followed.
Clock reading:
3 h 22 min
